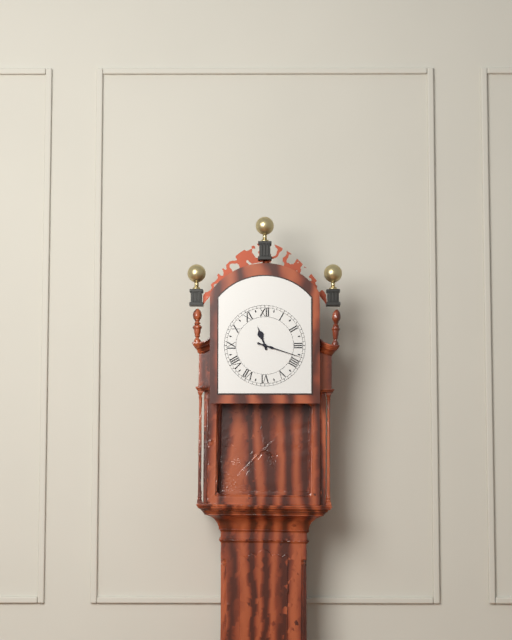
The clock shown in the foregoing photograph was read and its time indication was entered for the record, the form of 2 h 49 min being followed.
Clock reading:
11 h 18 min
